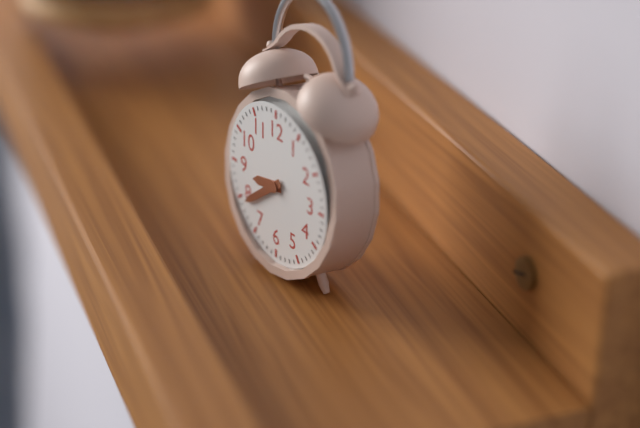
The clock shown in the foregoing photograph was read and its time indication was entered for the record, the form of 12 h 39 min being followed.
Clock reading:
8 h 39 min
